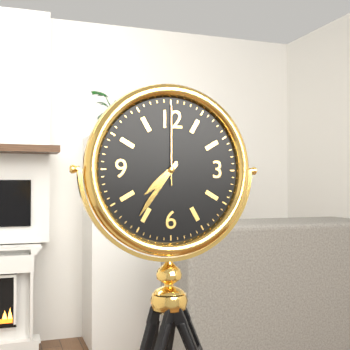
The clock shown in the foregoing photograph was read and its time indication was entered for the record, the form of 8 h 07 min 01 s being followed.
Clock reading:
7 h 36 min 00 s
